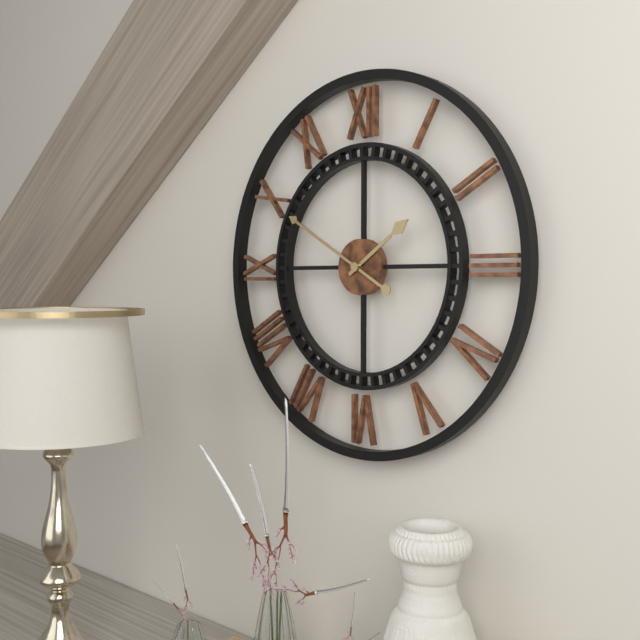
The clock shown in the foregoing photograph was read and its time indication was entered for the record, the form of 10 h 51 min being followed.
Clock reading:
1 h 50 min
